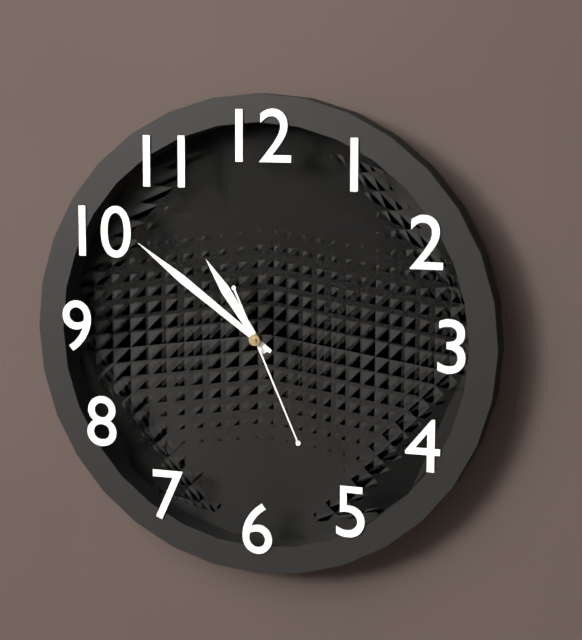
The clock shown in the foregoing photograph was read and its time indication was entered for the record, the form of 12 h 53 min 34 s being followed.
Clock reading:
10 h 51 min 26 s
